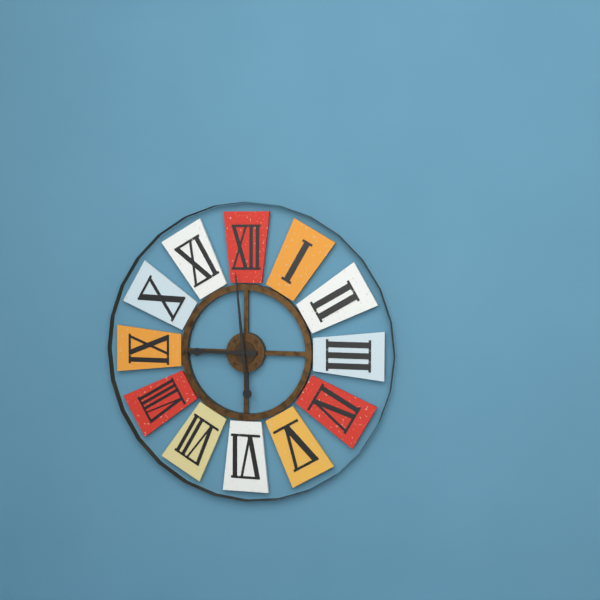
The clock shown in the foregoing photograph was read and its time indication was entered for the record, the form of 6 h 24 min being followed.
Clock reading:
8 h 59 min
